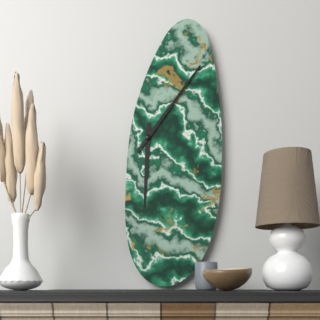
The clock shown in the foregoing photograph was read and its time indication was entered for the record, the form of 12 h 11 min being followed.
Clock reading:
6 h 06 min
